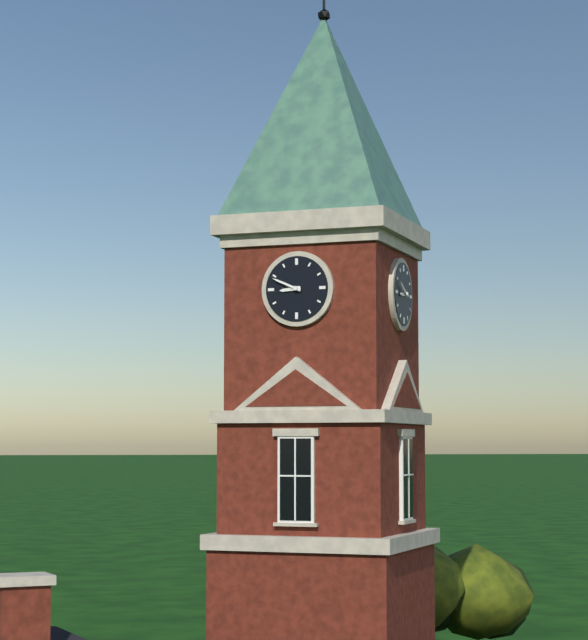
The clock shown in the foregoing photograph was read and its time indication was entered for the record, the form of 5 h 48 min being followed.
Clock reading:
8 h 49 min
